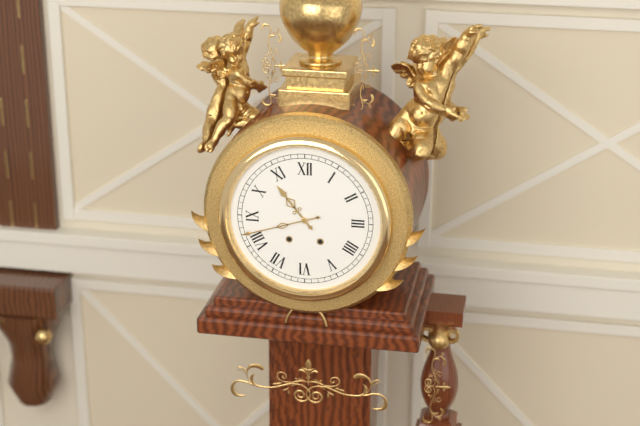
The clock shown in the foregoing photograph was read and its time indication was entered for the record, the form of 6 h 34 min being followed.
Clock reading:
10 h 42 min
